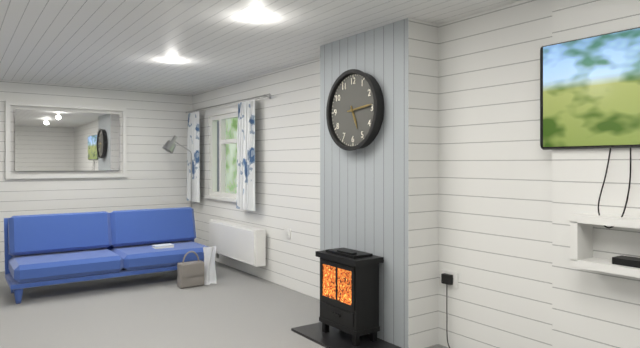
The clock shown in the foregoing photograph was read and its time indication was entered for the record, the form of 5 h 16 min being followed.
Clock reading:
5 h 14 min
